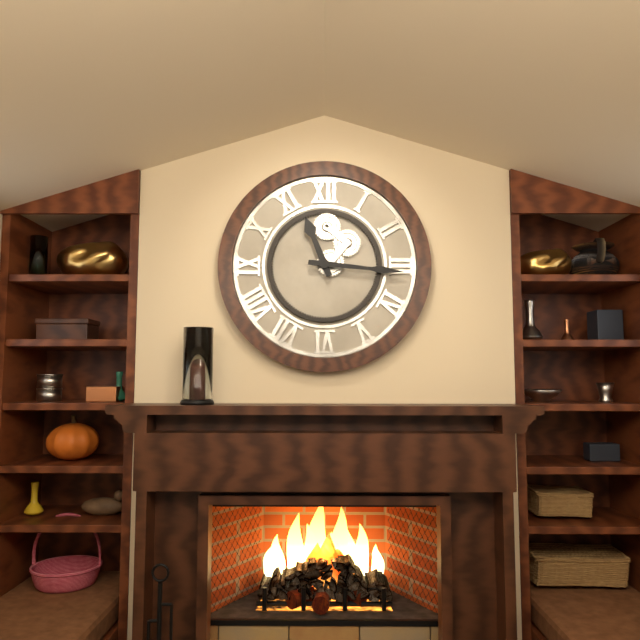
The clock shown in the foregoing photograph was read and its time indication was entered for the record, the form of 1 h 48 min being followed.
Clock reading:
11 h 16 min
